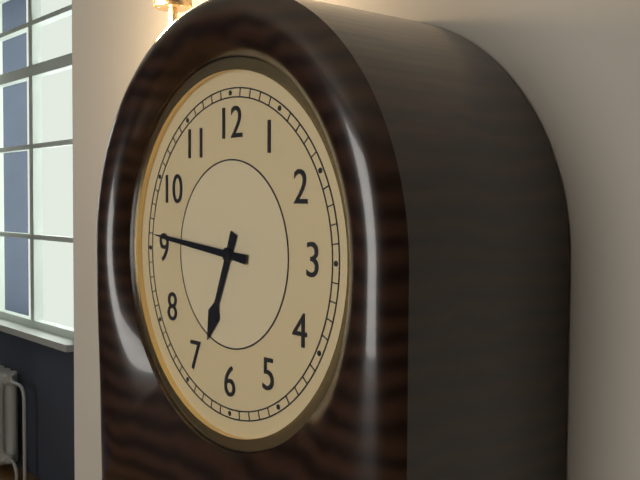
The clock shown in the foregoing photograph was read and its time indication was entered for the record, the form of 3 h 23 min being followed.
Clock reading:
6 h 46 min
